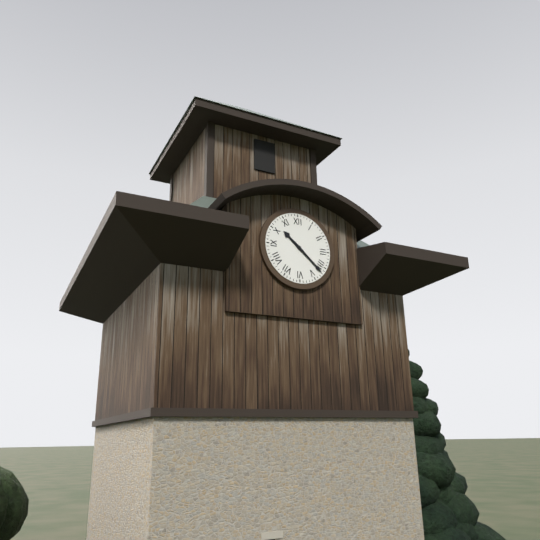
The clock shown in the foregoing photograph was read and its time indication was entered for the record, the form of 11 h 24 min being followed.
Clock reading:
10 h 22 min
